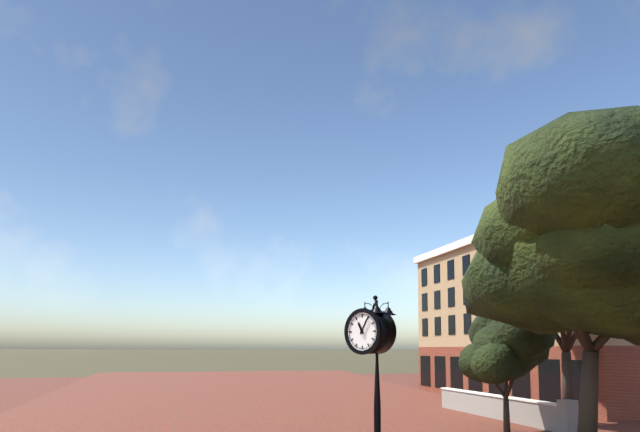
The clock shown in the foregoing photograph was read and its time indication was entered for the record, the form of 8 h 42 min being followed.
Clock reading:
11 h 05 min
